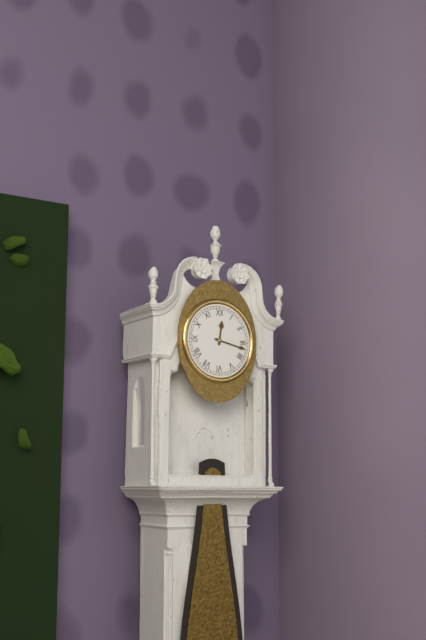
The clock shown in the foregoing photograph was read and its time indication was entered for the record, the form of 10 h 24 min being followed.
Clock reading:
12 h 17 min
